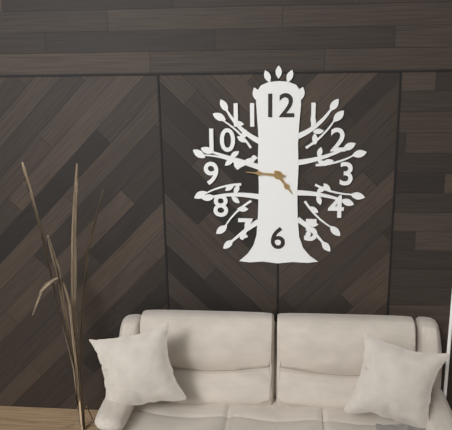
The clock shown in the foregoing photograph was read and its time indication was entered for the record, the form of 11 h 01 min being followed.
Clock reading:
4 h 46 min
